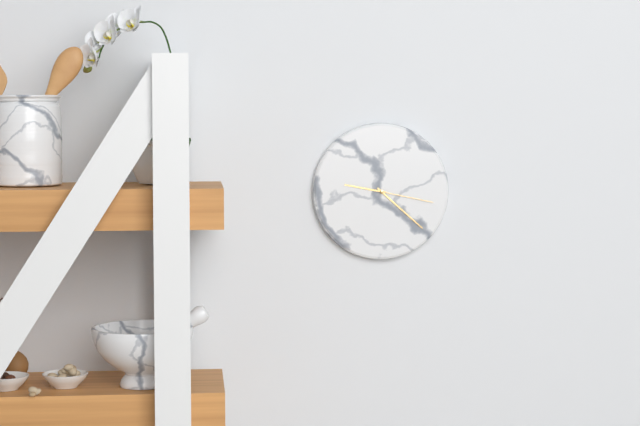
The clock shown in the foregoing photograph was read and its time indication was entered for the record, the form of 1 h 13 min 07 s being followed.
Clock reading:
9 h 22 min 17 s
